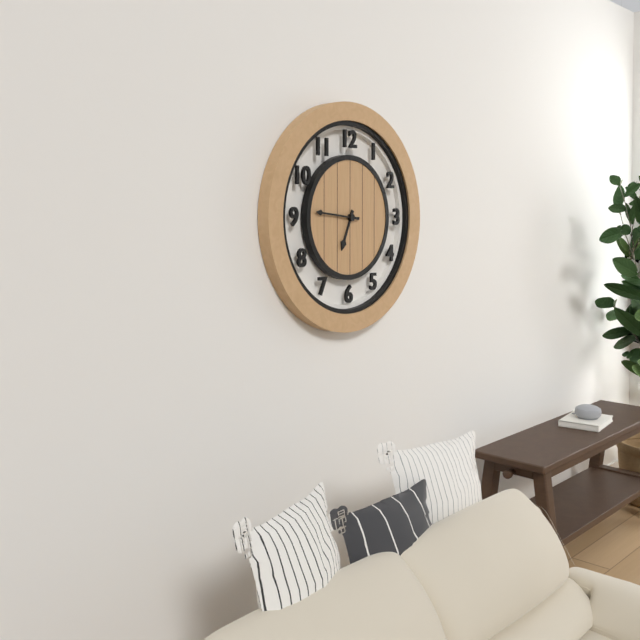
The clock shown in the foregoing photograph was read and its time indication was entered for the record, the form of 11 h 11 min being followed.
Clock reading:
6 h 46 min
